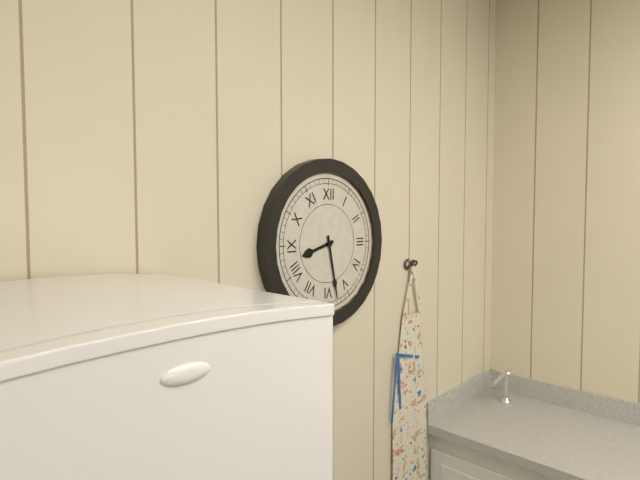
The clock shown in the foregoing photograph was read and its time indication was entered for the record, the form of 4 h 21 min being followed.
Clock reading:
8 h 28 min
